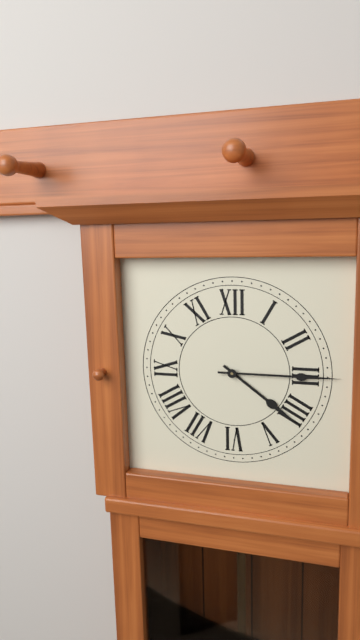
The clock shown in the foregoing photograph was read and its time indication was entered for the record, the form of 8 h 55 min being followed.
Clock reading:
4 h 15 min
